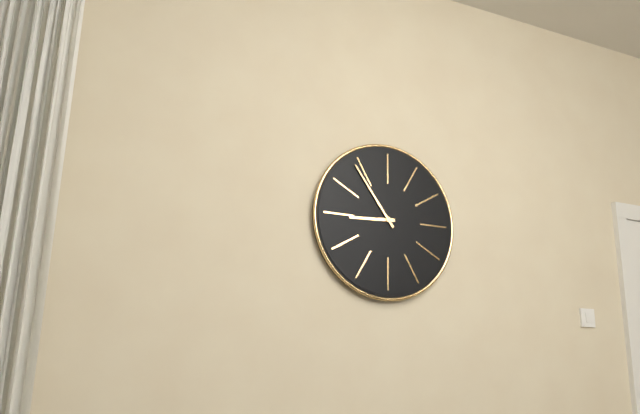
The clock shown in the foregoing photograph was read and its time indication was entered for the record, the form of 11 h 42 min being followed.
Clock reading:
8 h 54 min
